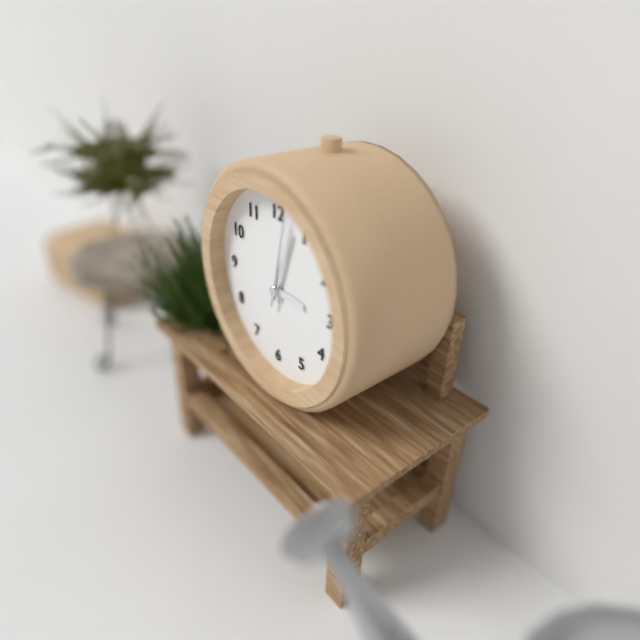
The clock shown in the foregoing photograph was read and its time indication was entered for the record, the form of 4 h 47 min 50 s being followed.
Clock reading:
3 h 03 min 02 s
